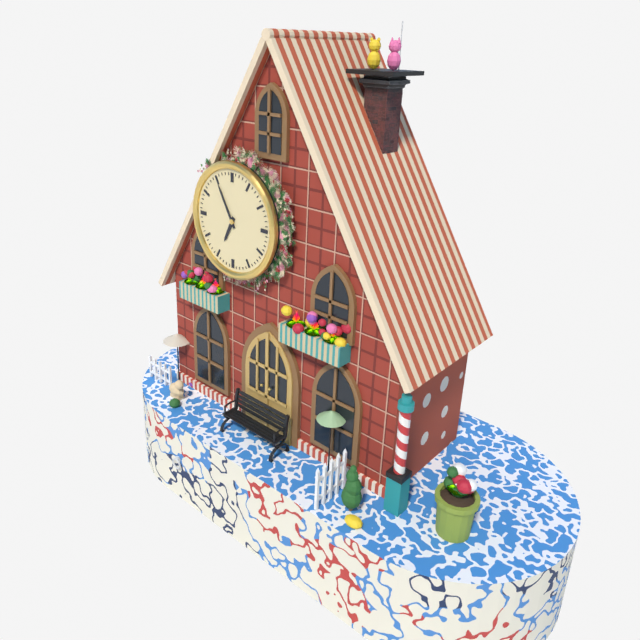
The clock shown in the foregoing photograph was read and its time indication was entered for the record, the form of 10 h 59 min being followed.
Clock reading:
6 h 55 min
